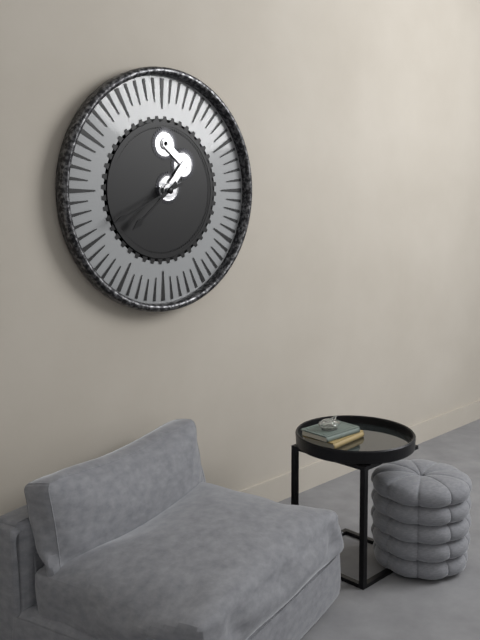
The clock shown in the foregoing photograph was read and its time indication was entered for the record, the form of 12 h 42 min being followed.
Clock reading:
7 h 41 min
